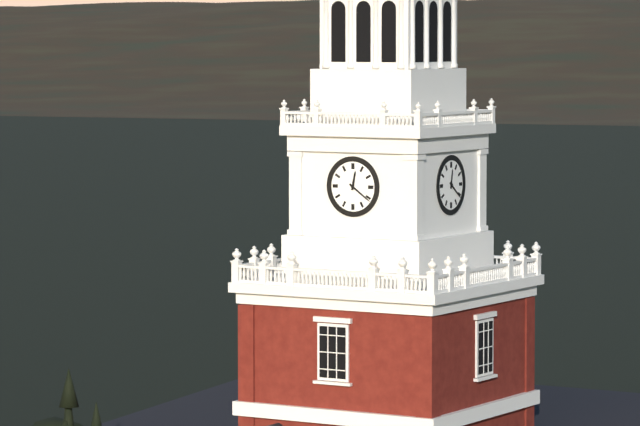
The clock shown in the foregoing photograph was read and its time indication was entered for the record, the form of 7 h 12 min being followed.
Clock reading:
12 h 21 min
